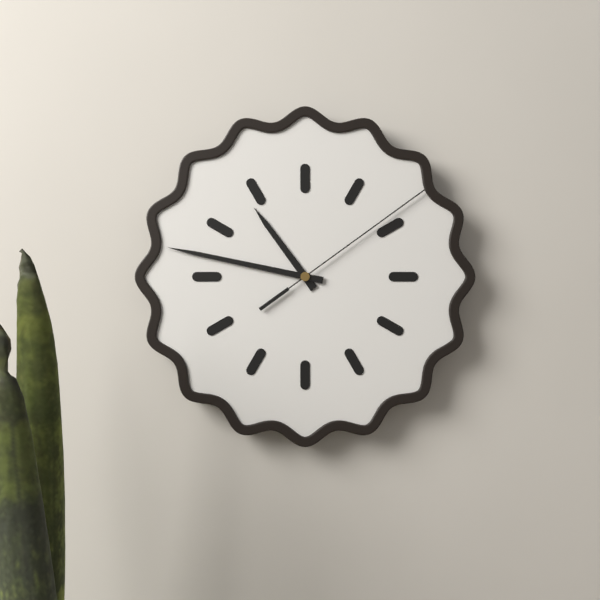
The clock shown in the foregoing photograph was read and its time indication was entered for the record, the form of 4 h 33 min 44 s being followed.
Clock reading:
10 h 47 min 09 s
